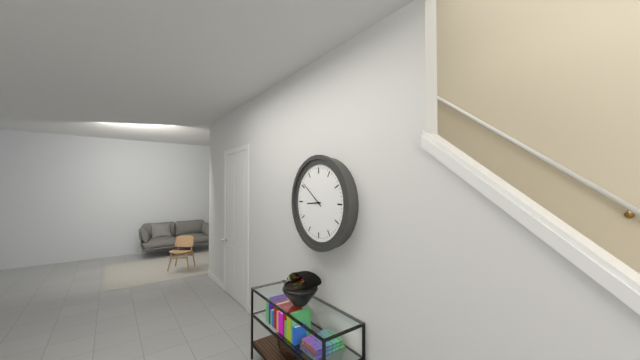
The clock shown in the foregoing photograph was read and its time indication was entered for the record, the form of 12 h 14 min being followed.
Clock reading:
8 h 51 min
